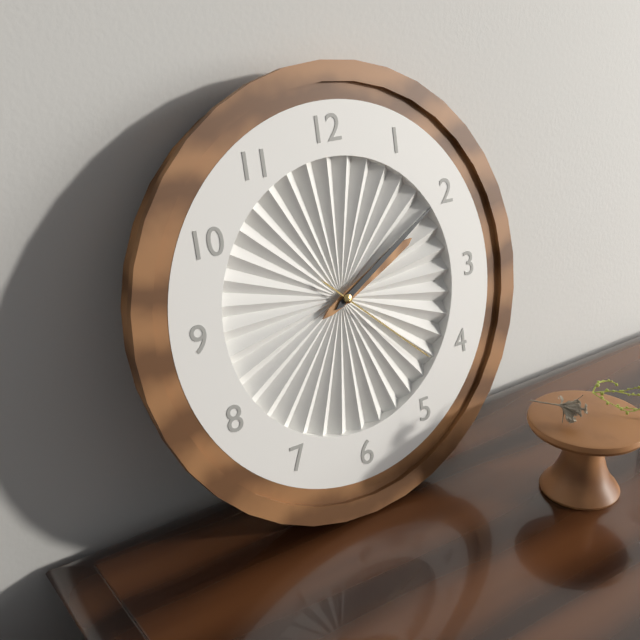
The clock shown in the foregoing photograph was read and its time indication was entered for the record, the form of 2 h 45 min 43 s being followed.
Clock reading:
2 h 10 min 22 s
